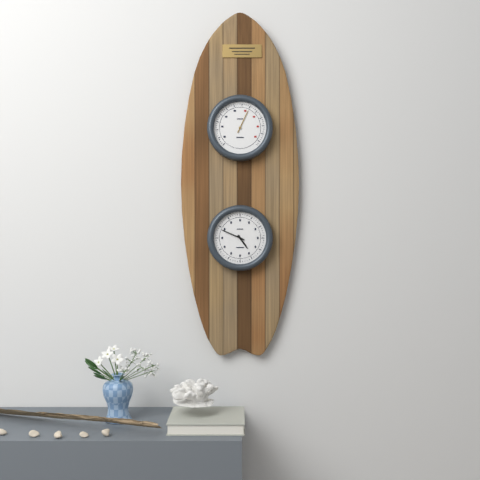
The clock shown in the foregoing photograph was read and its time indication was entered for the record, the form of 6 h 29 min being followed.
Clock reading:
4 h 49 min
